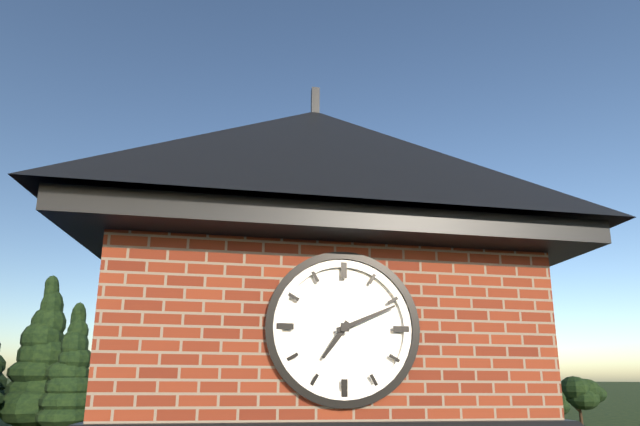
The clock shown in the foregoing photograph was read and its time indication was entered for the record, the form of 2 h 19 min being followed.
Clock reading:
7 h 11 min
